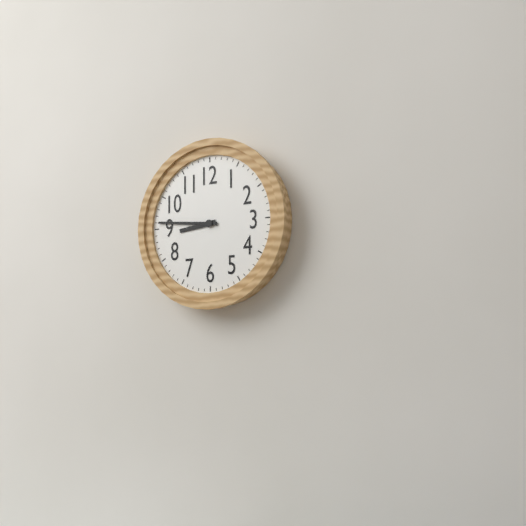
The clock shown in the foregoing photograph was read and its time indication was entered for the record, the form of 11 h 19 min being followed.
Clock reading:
8 h 46 min
